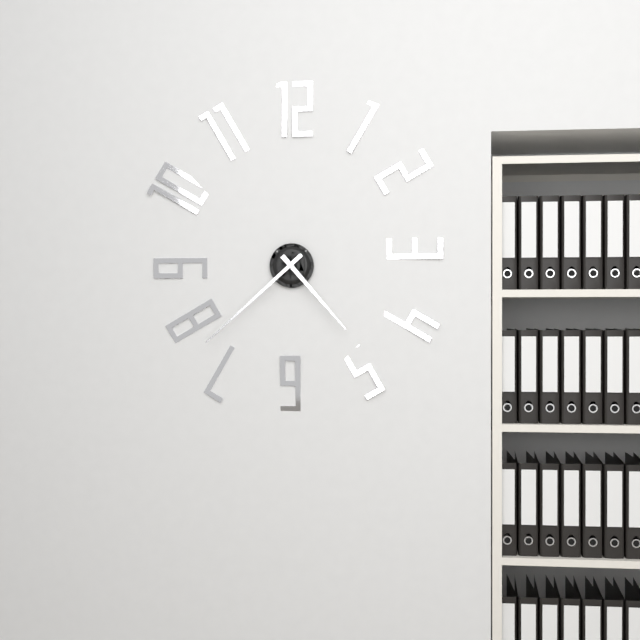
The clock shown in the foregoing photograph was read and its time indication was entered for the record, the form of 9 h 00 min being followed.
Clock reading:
4 h 38 min
